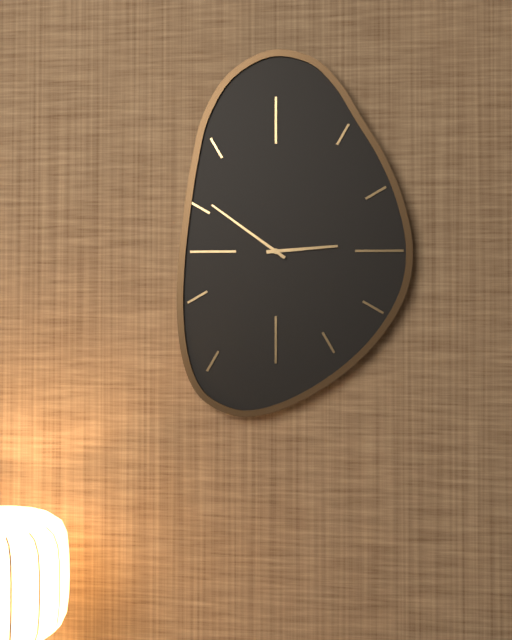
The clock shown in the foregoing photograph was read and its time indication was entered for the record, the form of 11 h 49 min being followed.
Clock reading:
2 h 51 min
